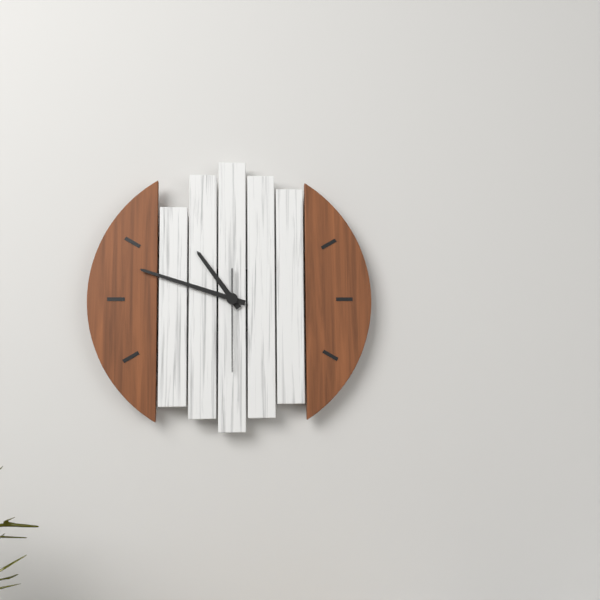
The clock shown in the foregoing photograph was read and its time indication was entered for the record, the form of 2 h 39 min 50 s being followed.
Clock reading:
10 h 48 min 30 s
